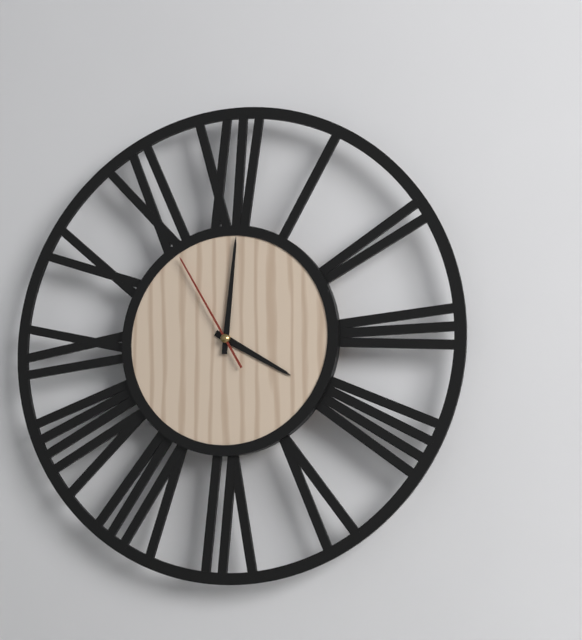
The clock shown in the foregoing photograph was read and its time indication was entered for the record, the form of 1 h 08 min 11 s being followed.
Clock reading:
4 h 01 min 55 s
